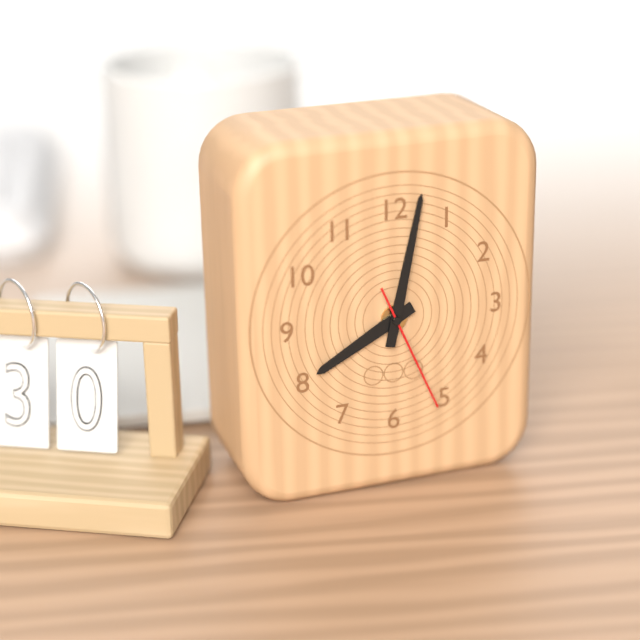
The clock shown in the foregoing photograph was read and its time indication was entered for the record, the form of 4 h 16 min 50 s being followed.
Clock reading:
8 h 02 min 26 s
